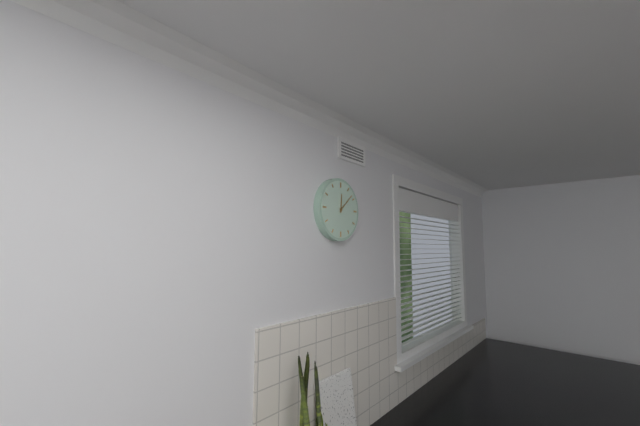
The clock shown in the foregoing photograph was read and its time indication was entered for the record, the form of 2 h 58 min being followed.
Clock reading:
12 h 08 min
